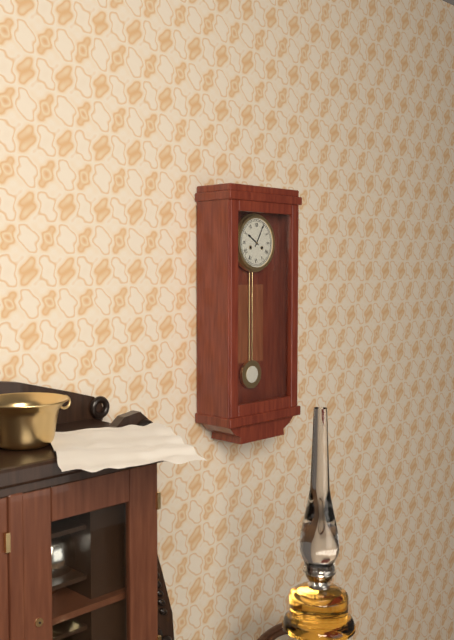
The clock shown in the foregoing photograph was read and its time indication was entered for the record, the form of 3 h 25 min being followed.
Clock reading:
10 h 05 min
